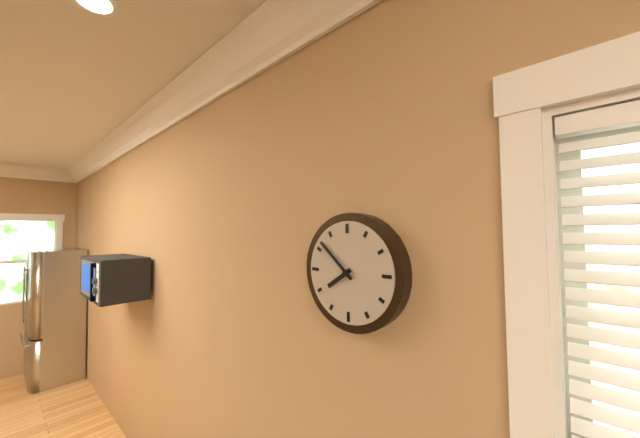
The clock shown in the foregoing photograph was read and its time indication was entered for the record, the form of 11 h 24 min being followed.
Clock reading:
7 h 52 min
